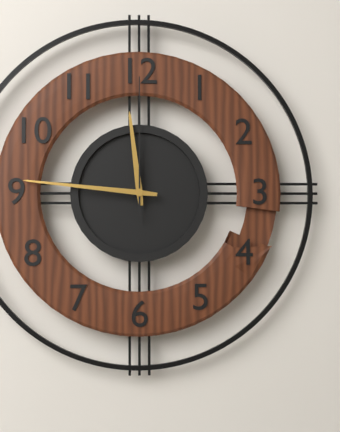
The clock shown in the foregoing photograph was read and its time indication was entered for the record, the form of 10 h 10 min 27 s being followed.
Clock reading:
11 h 46 min 00 s
